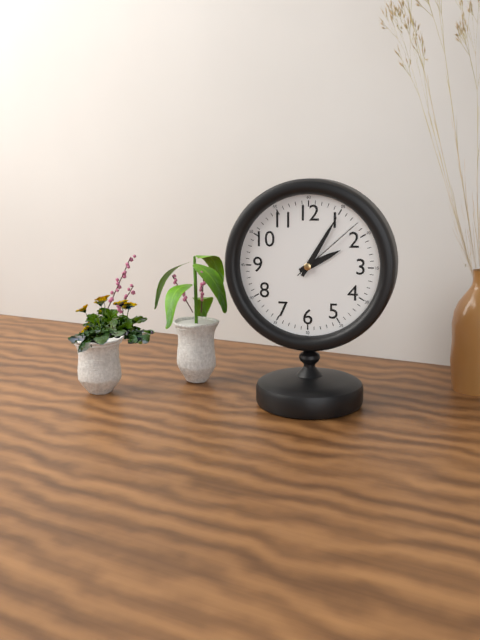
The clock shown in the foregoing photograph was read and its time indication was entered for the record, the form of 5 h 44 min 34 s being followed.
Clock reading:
2 h 05 min 08 s
